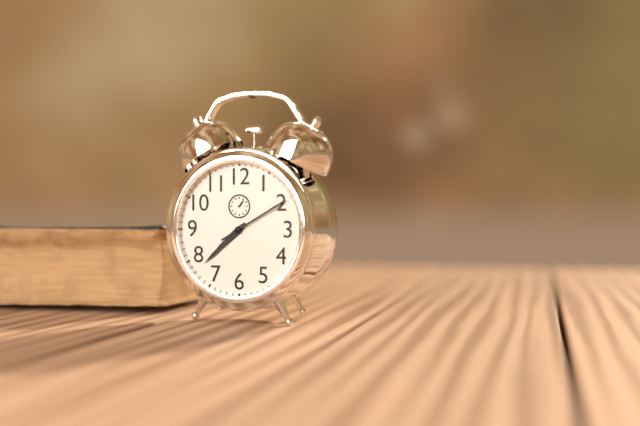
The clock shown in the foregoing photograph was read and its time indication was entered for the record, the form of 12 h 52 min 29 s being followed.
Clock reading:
7 h 38 min 10 s
